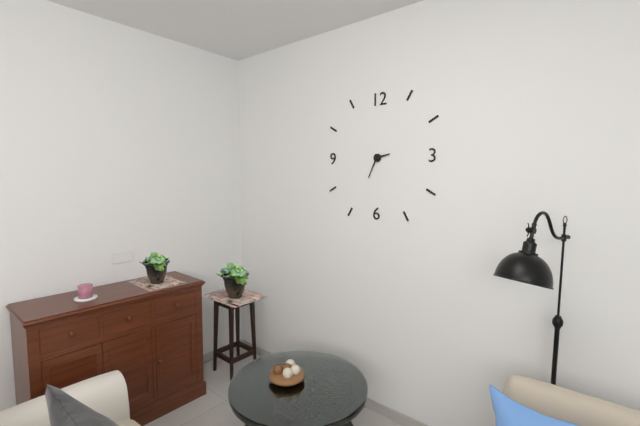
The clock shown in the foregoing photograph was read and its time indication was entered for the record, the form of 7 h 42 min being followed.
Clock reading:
2 h 34 min
